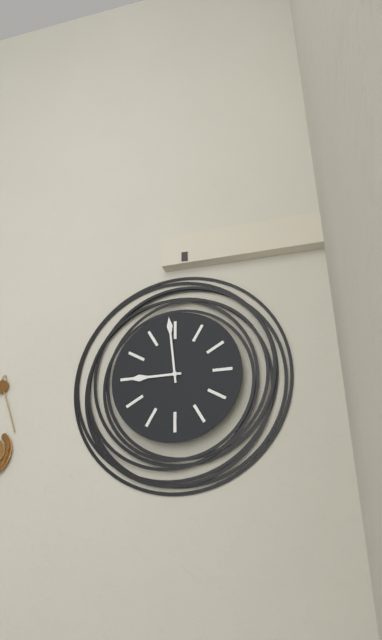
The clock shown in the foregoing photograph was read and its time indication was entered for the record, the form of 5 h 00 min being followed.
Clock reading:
8 h 59 min
